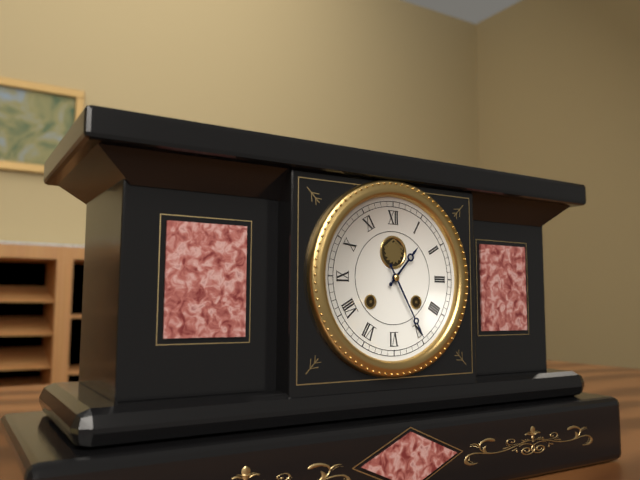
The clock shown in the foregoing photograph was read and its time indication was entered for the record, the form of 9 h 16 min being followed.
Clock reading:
1 h 25 min
